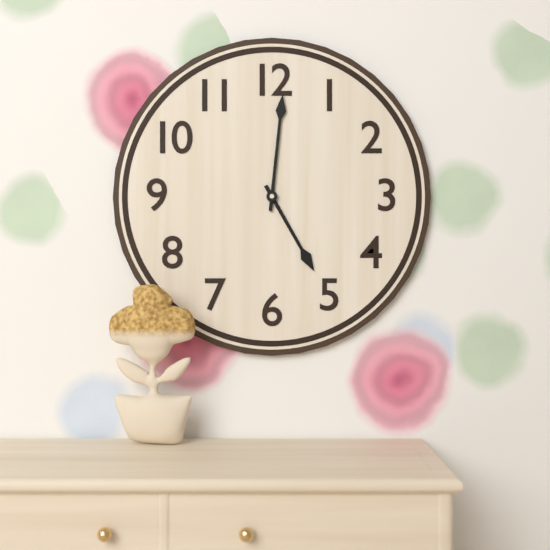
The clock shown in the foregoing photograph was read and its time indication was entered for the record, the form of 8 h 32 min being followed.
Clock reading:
5 h 01 min
